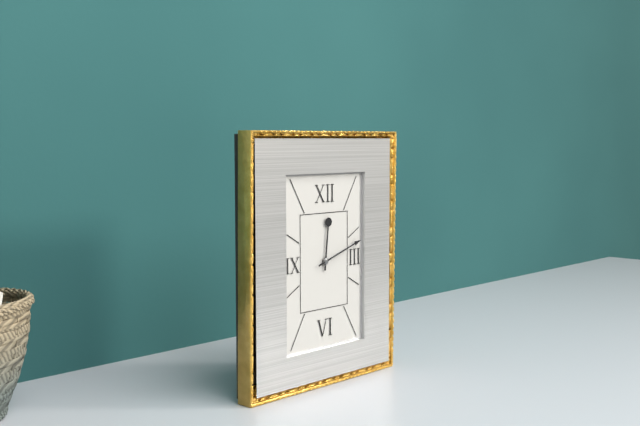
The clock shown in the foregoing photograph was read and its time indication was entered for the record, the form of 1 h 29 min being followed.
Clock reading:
12 h 12 min
